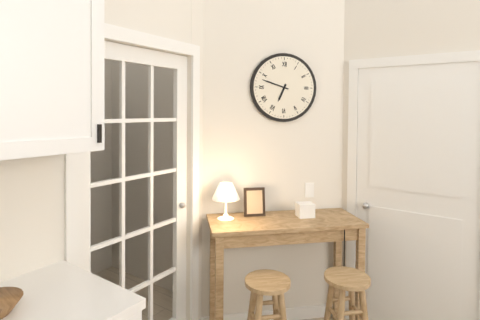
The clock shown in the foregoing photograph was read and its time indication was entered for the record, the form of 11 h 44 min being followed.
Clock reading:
6 h 48 min
